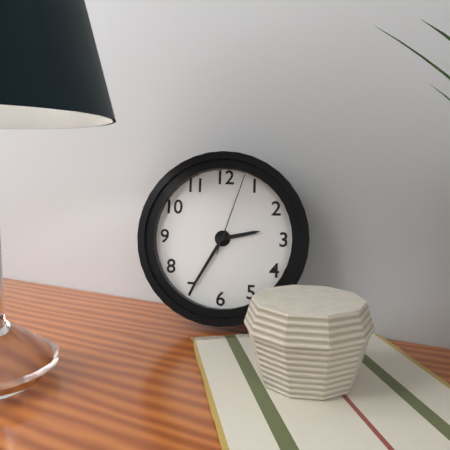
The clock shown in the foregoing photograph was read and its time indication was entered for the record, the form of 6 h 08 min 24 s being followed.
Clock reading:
2 h 35 min 03 s
